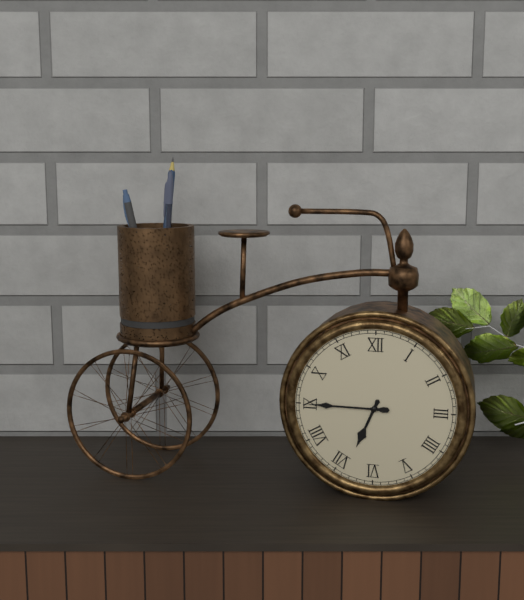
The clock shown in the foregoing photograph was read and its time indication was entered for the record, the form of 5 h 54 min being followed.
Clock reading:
6 h 45 min
